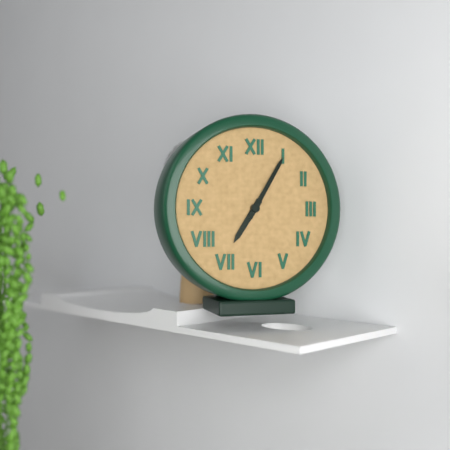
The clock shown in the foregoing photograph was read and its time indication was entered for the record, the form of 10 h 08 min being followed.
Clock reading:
7 h 05 min
